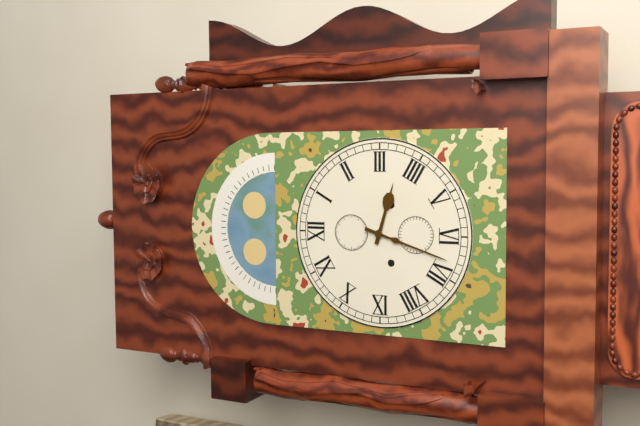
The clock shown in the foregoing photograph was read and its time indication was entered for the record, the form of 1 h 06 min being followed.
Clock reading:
3 h 33 min
